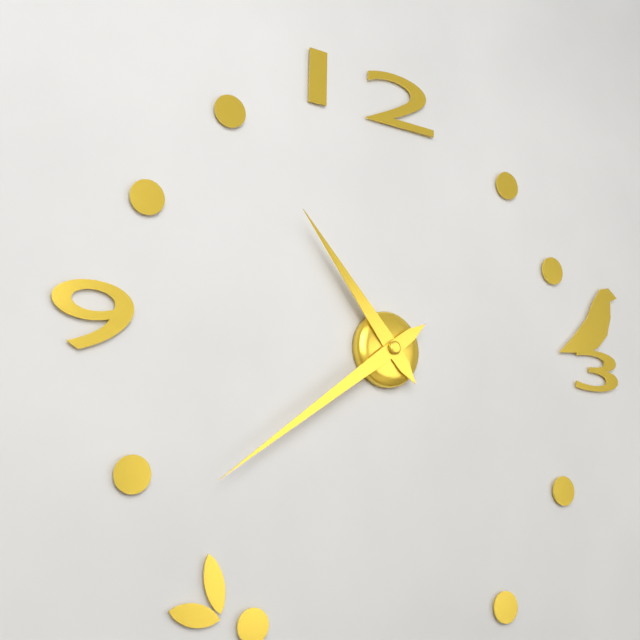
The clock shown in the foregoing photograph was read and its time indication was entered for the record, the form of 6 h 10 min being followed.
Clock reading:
10 h 39 min
